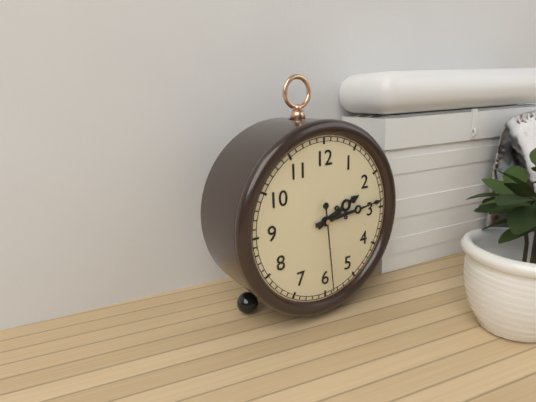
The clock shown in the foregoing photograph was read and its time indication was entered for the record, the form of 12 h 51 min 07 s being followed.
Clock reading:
2 h 14 min 29 s
